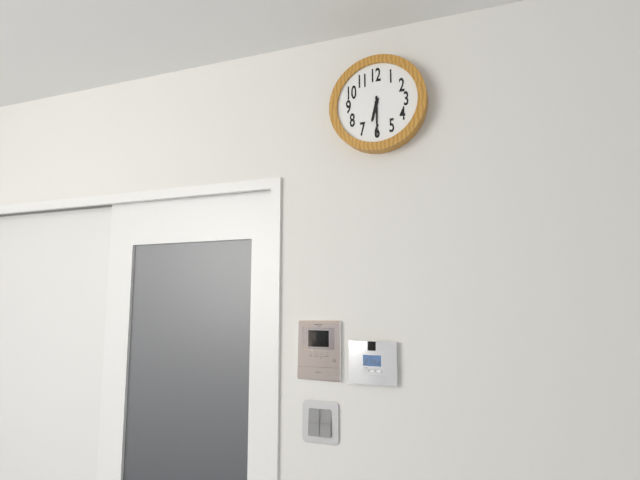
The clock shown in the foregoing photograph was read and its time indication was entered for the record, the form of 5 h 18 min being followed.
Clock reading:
6 h 30 min
